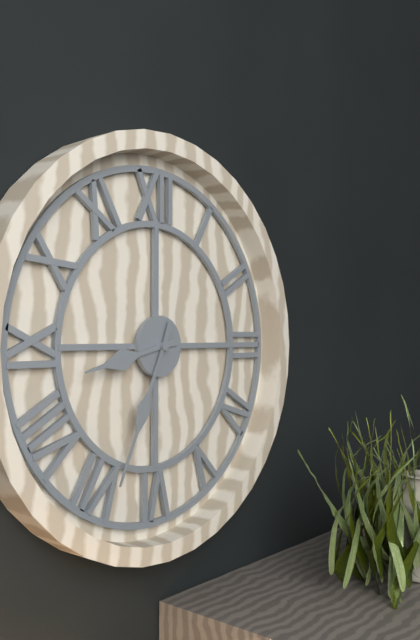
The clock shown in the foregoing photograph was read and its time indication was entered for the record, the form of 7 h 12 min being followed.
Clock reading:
8 h 34 min
